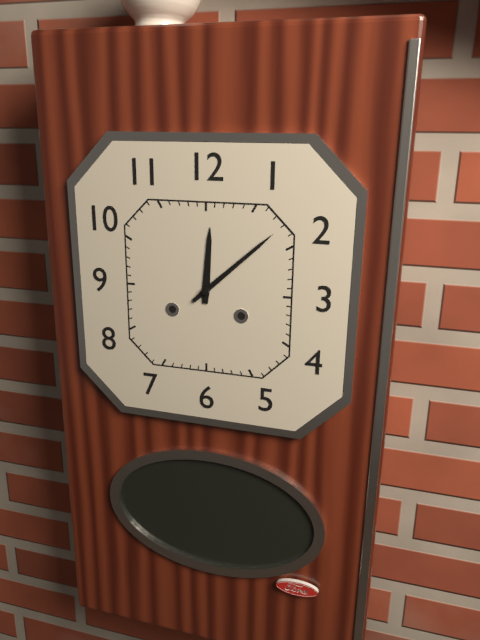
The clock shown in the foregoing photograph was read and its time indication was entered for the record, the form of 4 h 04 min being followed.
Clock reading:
12 h 08 min
